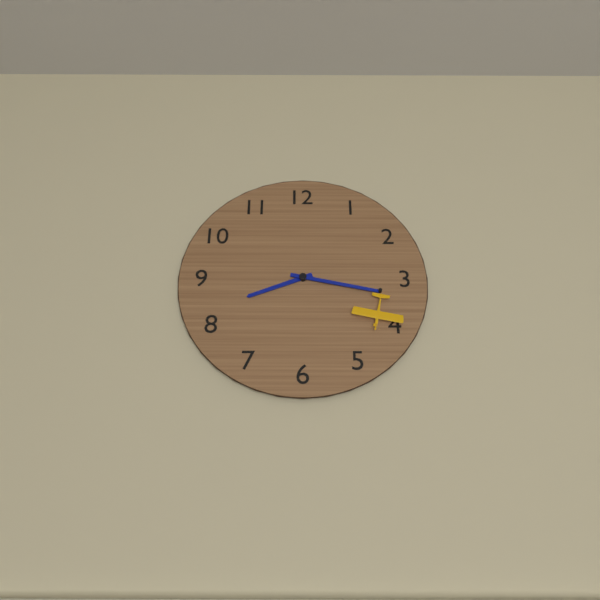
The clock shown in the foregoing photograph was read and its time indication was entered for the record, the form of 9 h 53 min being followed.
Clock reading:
8 h 17 min
